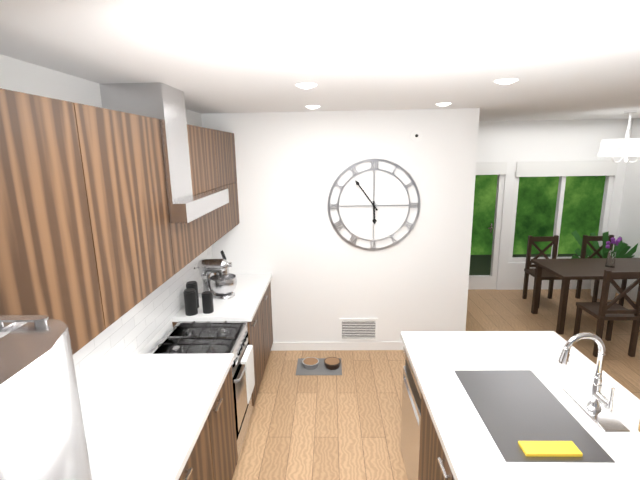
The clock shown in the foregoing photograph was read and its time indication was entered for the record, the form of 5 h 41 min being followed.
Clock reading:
5 h 54 min
